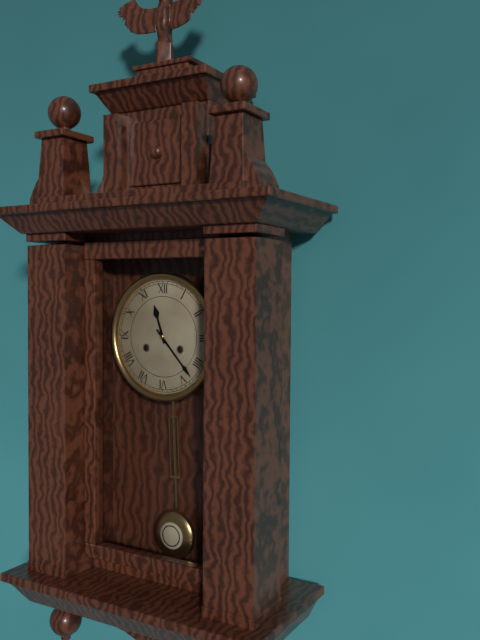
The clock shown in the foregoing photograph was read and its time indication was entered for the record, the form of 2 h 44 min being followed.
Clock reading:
11 h 23 min
